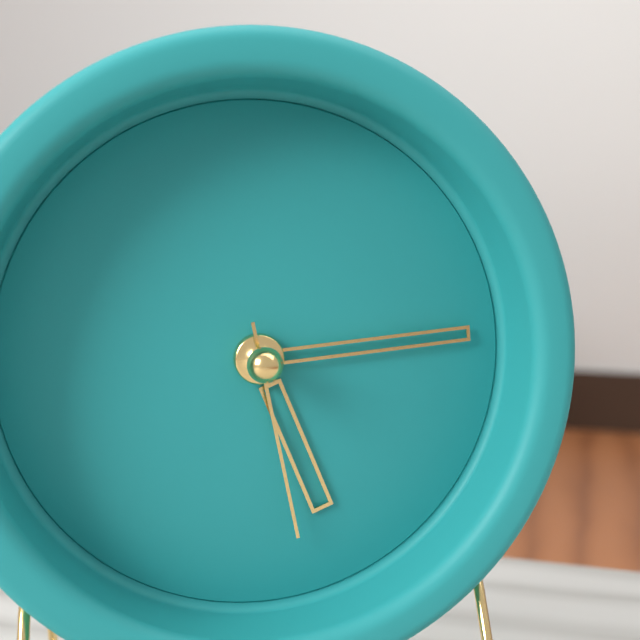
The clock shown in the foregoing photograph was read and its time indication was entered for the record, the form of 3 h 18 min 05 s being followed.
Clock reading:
5 h 14 min 28 s
